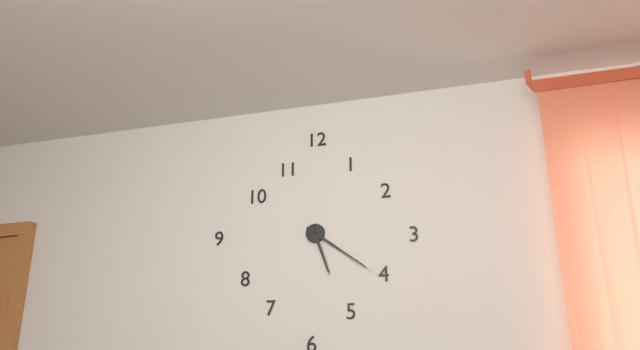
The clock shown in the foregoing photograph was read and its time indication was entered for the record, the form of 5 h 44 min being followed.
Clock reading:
5 h 21 min
